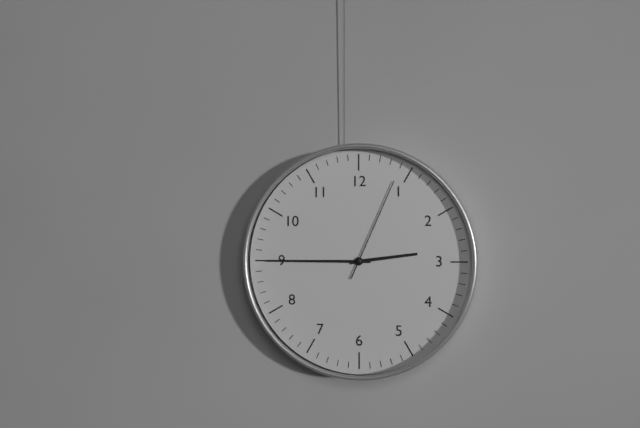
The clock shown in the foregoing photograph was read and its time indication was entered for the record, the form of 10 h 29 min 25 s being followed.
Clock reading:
2 h 45 min 04 s
